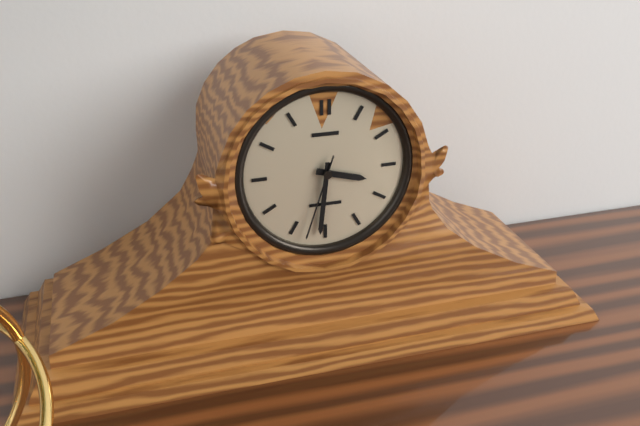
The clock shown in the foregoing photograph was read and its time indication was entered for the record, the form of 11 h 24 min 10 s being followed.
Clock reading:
3 h 31 min 33 s
